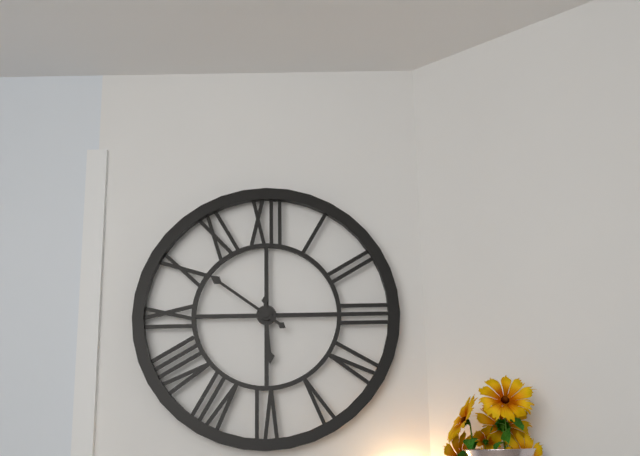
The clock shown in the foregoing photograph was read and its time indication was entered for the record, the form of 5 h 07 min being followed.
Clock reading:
5 h 51 min
